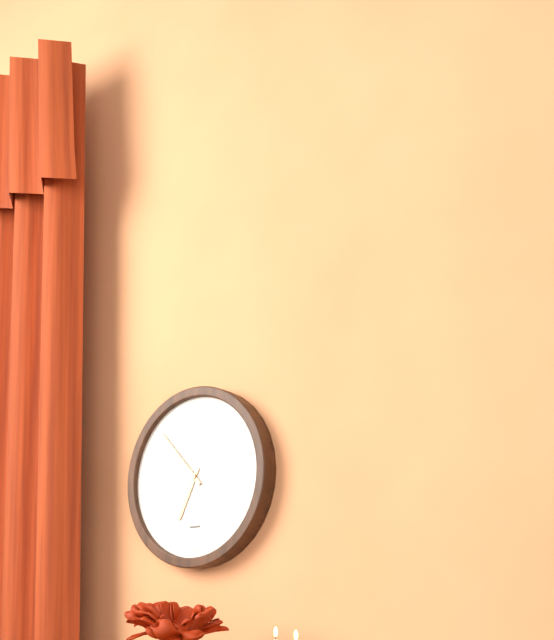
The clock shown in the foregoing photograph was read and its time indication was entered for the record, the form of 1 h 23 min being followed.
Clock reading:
6 h 53 min
